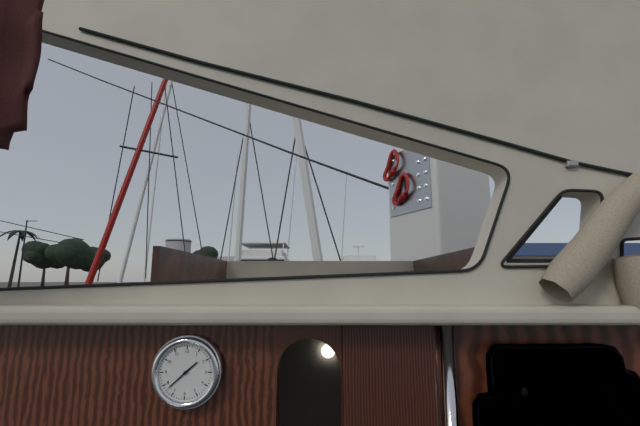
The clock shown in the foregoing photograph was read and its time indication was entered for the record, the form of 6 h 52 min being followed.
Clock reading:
1 h 38 min
